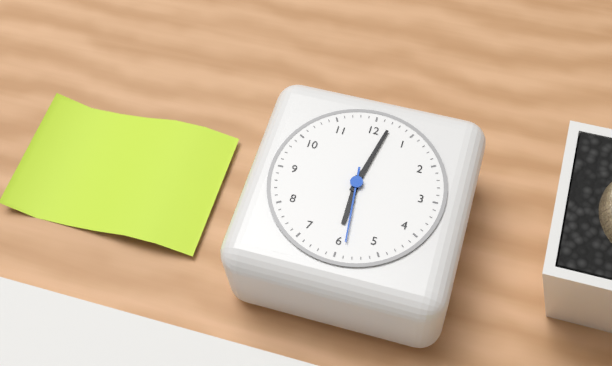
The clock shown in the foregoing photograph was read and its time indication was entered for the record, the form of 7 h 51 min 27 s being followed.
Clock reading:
6 h 02 min 29 s
